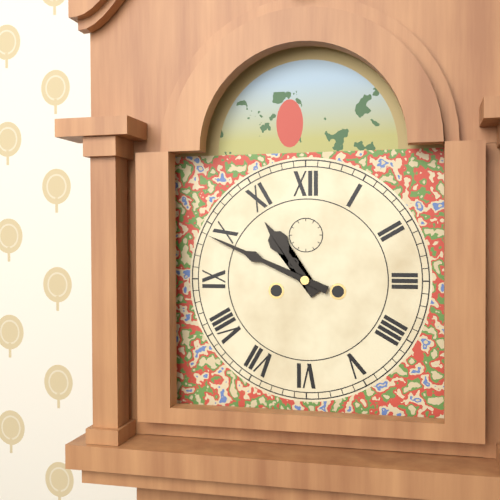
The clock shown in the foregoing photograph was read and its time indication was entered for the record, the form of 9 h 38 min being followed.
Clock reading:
10 h 49 min
